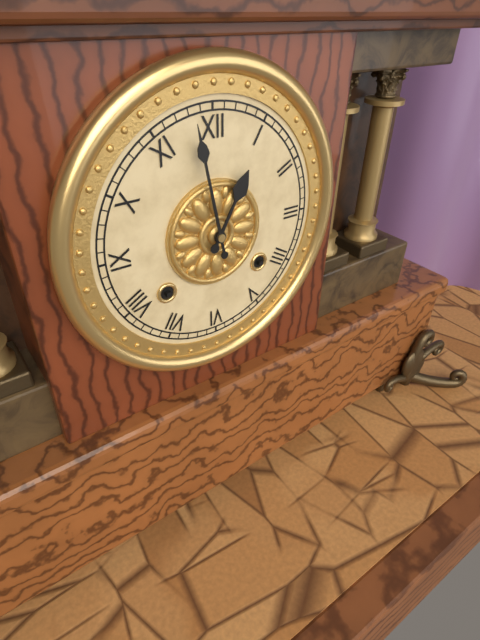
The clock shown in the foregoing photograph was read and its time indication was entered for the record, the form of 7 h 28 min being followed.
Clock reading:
12 h 58 min
